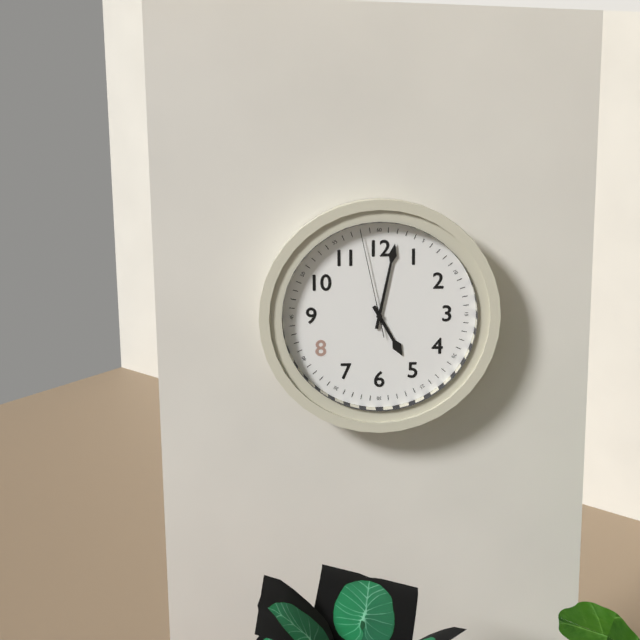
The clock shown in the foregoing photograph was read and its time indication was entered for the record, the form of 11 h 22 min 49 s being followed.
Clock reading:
5 h 02 min 58 s
